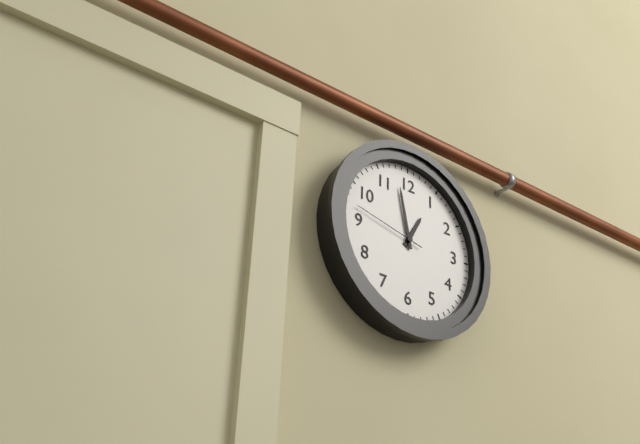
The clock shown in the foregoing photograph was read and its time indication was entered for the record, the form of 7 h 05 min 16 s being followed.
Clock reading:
12 h 58 min 47 s
